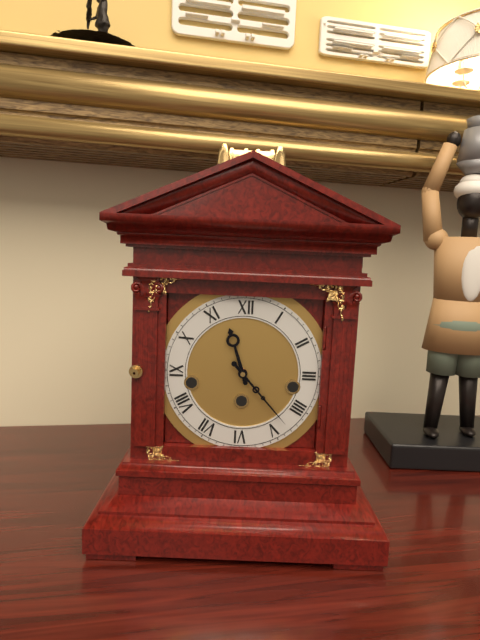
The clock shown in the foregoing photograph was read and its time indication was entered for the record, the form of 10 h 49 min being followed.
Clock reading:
11 h 23 min
